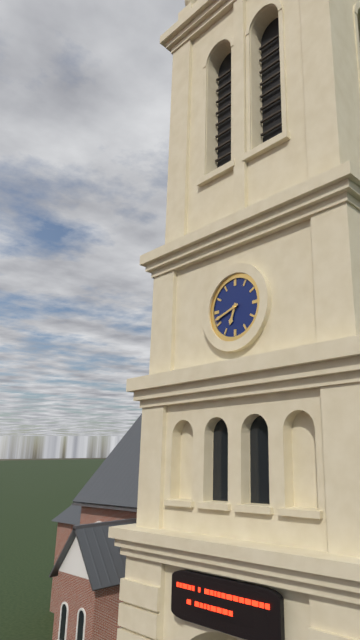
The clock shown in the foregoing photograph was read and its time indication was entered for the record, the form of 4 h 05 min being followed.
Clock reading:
6 h 42 min
